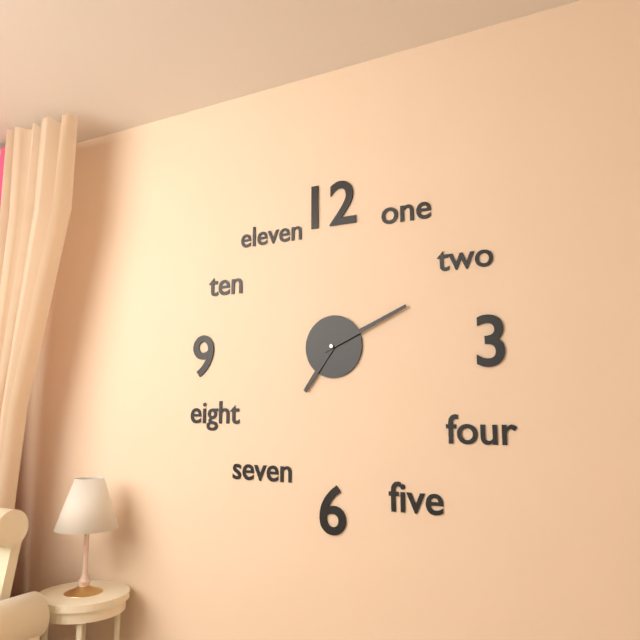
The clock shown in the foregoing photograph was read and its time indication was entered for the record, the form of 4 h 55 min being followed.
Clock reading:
7 h 11 min
